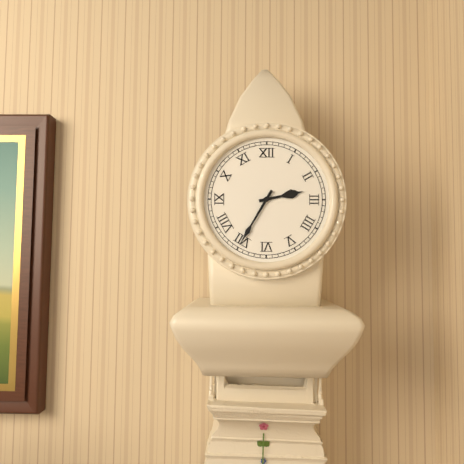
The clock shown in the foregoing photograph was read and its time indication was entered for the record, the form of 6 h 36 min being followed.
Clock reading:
2 h 35 min
